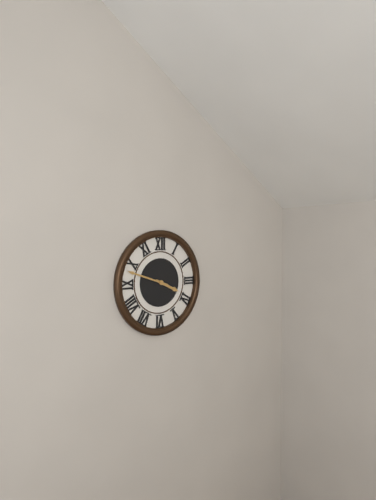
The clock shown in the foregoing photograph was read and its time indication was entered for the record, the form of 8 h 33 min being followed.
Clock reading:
3 h 48 min
